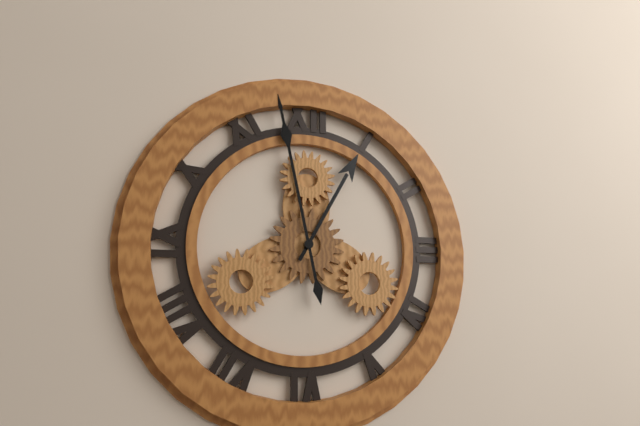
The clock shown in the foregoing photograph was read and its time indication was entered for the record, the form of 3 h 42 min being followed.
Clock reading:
12 h 58 min
